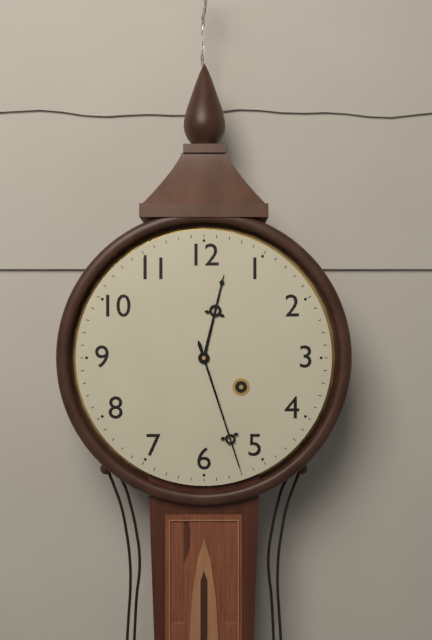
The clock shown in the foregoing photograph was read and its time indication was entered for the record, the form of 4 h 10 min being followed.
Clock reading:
12 h 27 min
